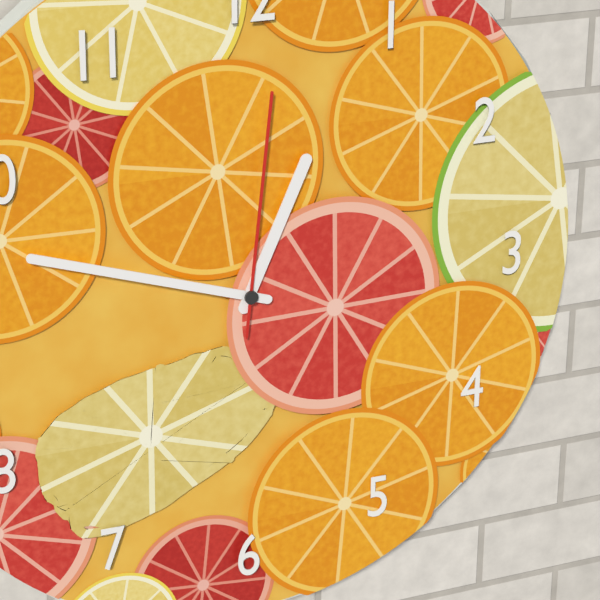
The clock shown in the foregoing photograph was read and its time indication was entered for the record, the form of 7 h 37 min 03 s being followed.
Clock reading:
12 h 48 min 01 s
